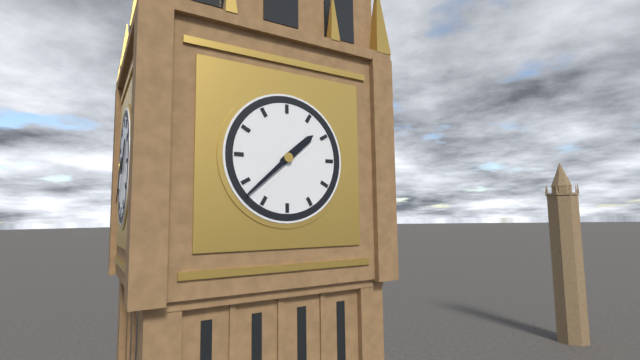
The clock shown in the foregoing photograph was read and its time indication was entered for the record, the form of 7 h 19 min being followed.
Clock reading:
1 h 38 min
